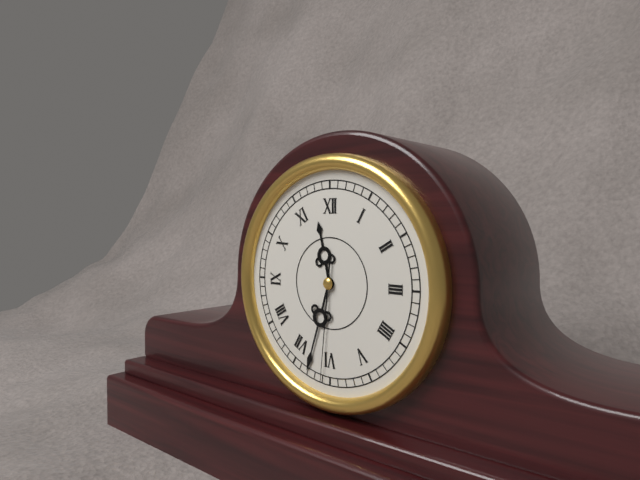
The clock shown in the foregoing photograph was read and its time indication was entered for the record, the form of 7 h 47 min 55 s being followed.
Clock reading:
11 h 33 min 31 s
